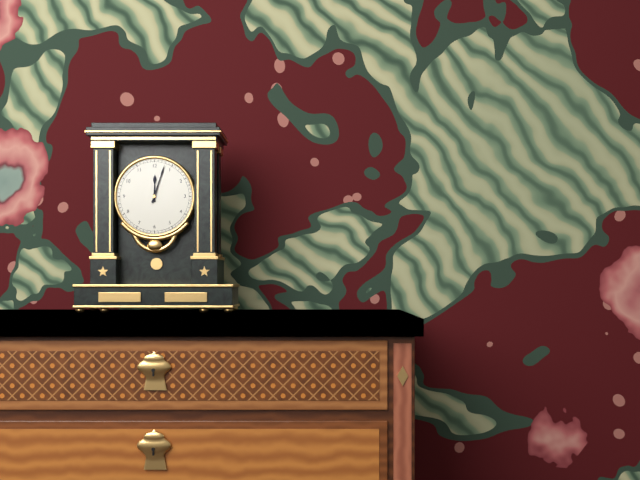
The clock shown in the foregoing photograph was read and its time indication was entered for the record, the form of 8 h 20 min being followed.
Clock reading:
12 h 03 min
